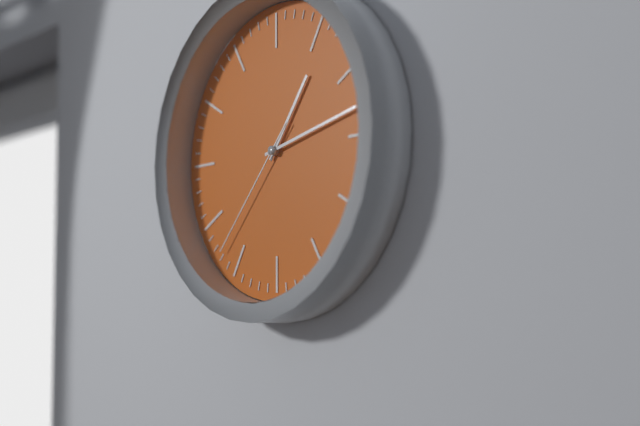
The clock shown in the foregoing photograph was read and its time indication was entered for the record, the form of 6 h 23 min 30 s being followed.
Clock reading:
1 h 13 min 37 s
